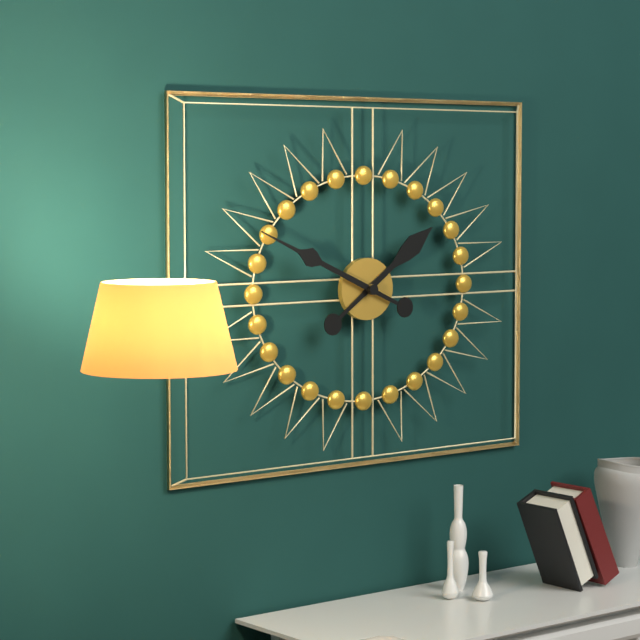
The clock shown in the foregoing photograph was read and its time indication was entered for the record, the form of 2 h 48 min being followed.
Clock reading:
1 h 49 min
